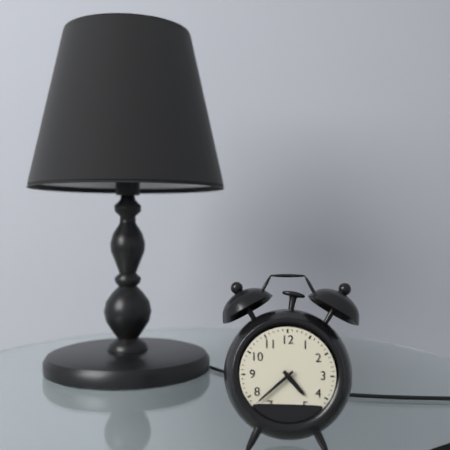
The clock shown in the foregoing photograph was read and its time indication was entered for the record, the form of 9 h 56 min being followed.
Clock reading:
4 h 38 min
